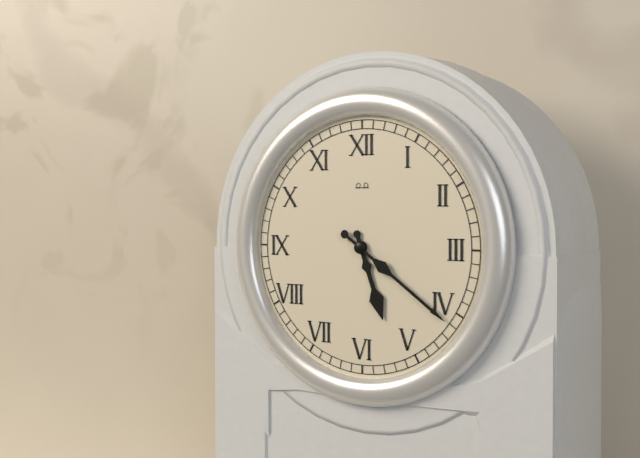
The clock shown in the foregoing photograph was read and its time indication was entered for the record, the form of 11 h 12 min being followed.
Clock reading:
5 h 21 min
